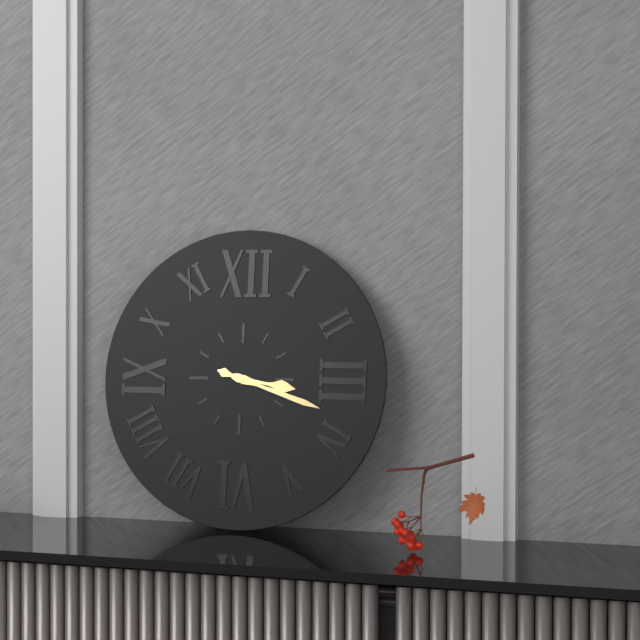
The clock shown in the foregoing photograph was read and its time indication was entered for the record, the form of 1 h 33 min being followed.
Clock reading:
3 h 18 min
